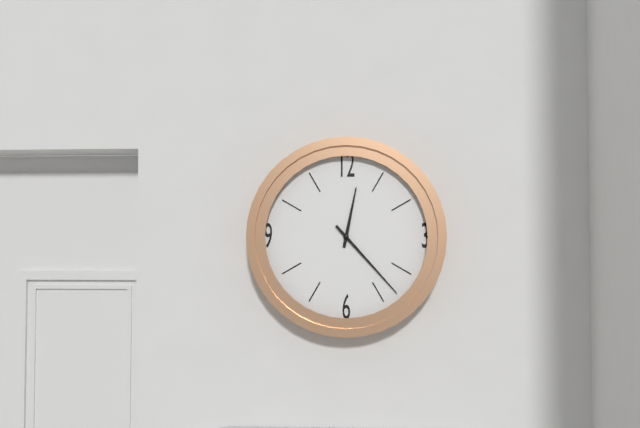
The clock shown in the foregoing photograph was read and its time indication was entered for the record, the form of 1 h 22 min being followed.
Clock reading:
12 h 23 min
